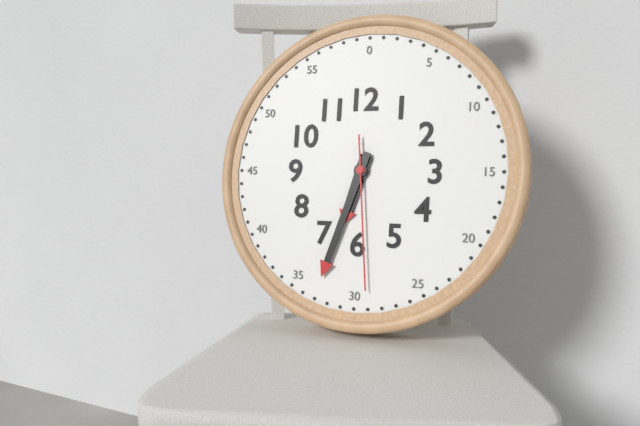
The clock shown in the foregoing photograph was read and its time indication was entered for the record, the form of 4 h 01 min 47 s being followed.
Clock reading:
6 h 33 min 29 s
